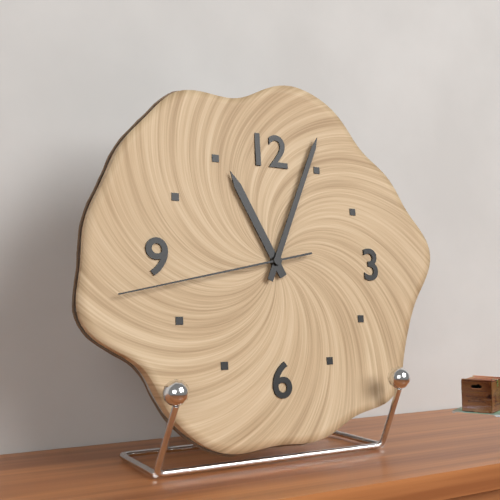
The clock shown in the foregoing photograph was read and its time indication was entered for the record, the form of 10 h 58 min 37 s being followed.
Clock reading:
11 h 04 min 43 s
